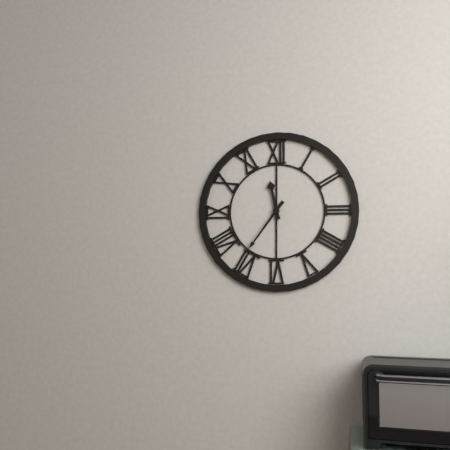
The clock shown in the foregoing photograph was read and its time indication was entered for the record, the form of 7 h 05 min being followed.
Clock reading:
11 h 36 min
